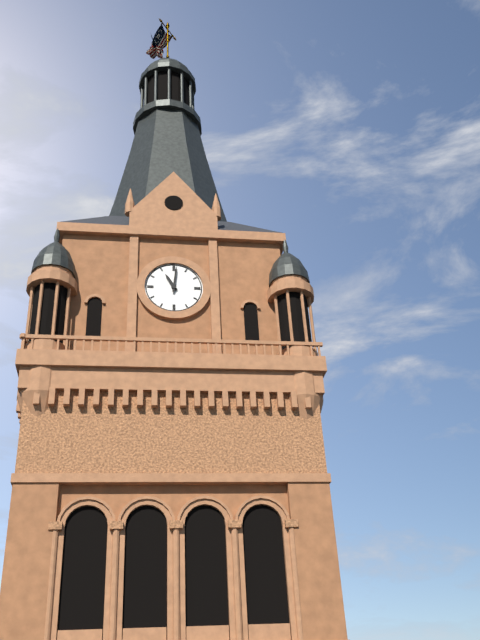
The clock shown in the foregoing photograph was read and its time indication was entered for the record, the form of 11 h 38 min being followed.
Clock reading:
11 h 01 min
